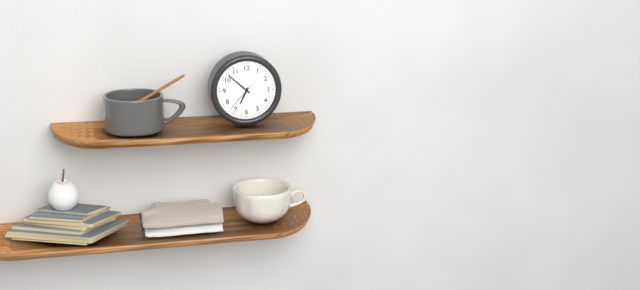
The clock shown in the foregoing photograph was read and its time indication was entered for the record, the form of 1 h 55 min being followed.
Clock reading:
6 h 52 min
